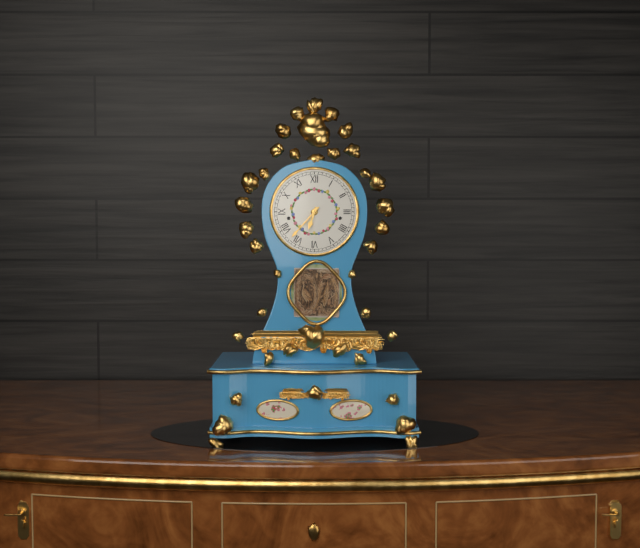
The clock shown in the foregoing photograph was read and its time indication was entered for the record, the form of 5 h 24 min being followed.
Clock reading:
6 h 37 min
